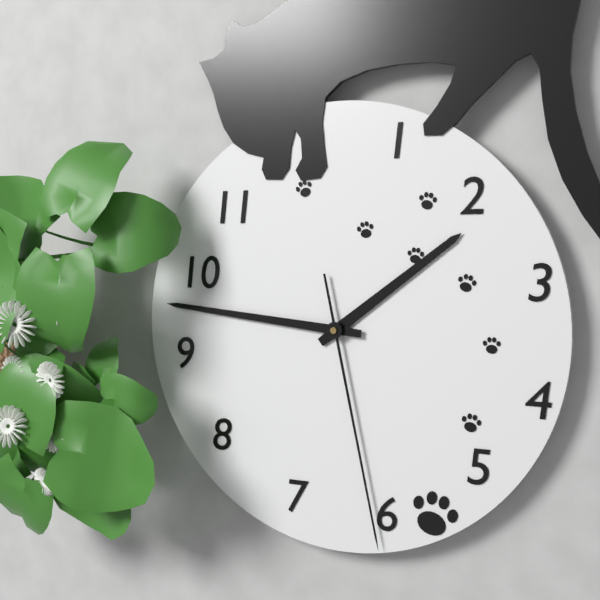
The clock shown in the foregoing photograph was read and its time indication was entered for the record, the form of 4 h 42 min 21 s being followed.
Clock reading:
1 h 46 min 28 s
